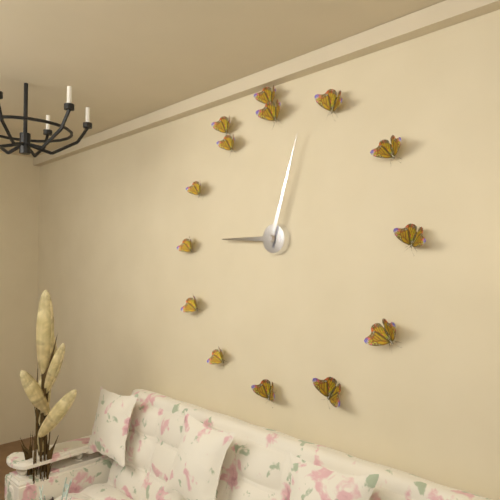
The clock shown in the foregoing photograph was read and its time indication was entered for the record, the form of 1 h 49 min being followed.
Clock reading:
9 h 03 min
